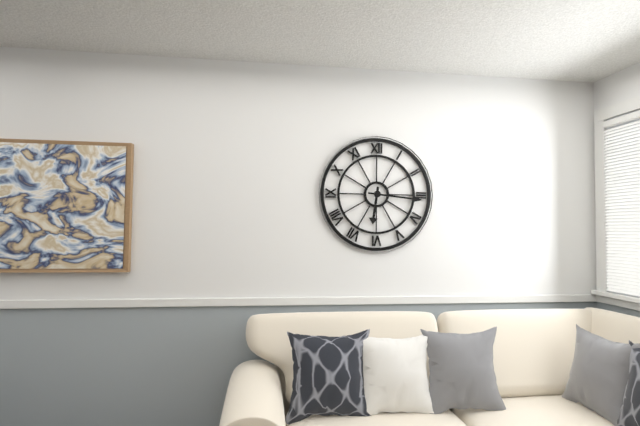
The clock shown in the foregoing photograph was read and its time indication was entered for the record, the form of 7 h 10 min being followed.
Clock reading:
6 h 16 min
